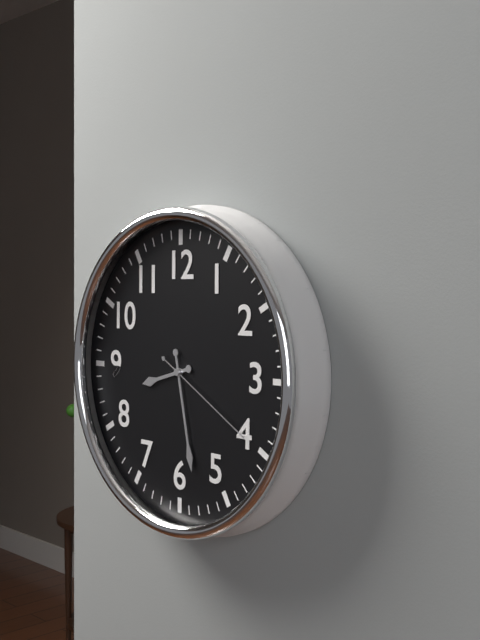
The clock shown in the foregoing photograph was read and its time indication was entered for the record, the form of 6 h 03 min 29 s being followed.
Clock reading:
8 h 28 min 20 s
